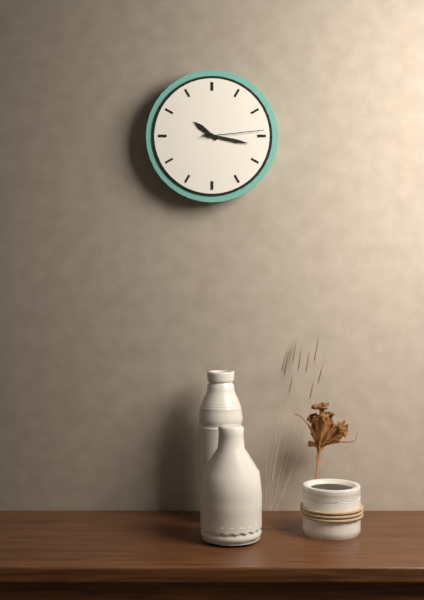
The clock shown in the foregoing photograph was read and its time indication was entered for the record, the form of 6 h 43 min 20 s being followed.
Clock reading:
10 h 17 min 14 s
